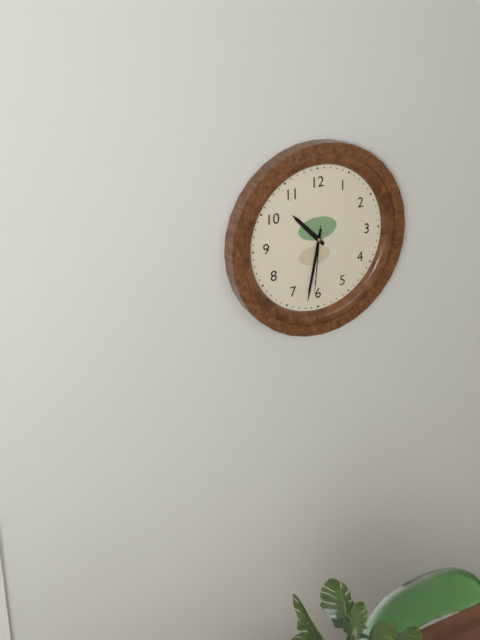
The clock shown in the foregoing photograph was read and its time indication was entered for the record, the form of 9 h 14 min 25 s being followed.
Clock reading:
10 h 32 min 31 s
